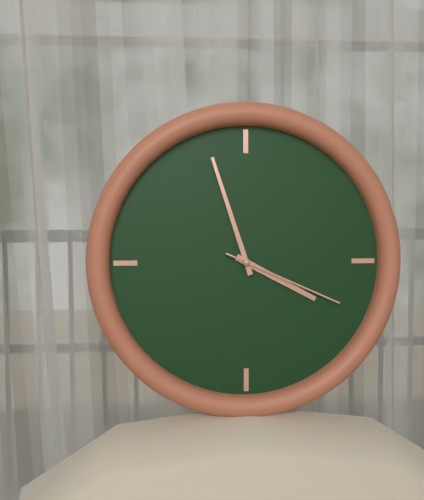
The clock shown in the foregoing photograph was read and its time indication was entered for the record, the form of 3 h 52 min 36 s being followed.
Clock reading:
3 h 57 min 19 s
